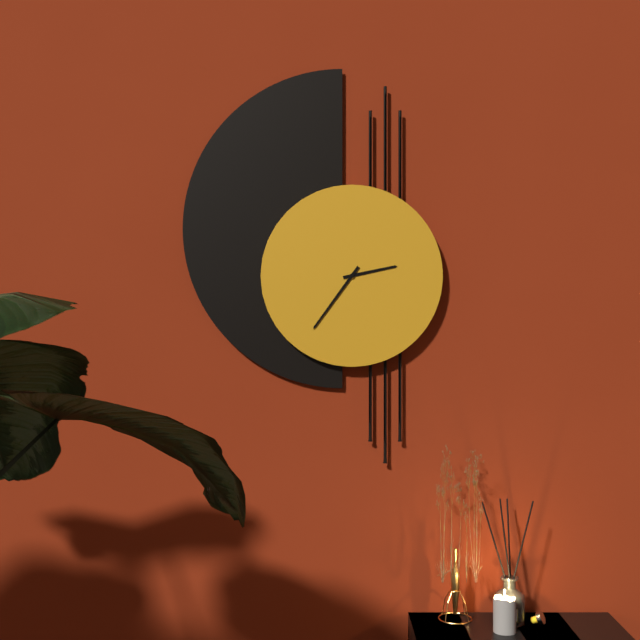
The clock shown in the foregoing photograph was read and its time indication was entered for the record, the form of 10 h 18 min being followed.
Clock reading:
2 h 36 min
